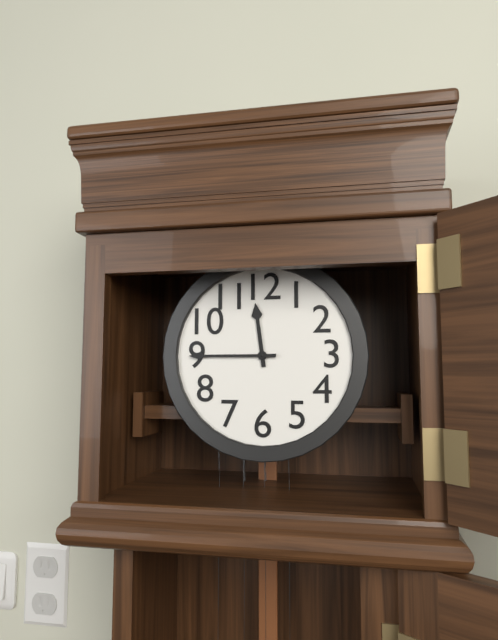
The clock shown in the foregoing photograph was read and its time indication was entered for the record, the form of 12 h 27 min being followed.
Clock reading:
11 h 45 min
